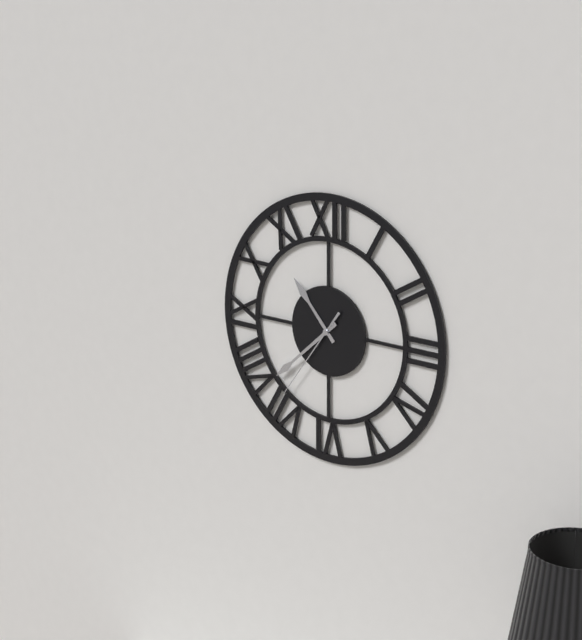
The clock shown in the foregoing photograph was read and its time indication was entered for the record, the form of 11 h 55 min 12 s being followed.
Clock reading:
10 h 38 min 36 s
